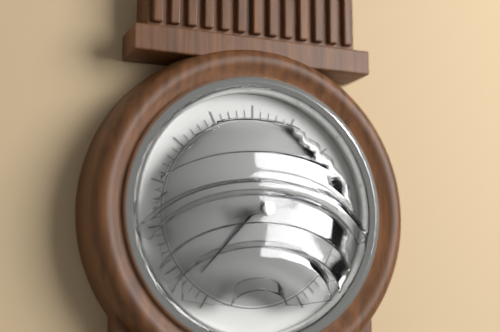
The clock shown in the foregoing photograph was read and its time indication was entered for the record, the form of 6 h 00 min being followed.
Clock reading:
2 h 37 min
